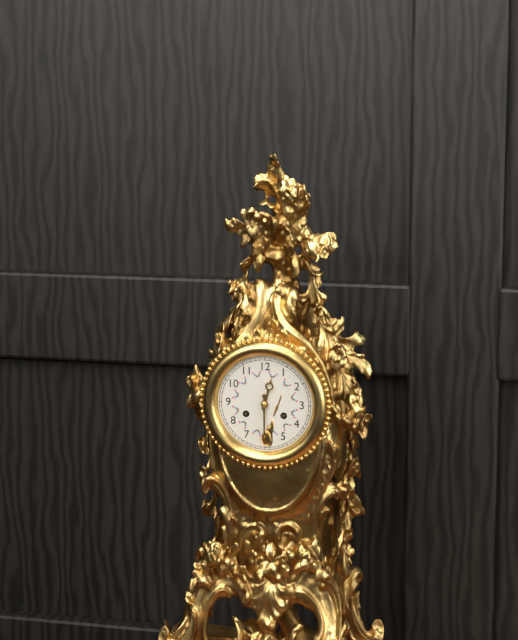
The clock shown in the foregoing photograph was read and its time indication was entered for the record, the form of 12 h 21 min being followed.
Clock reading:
12 h 30 min
